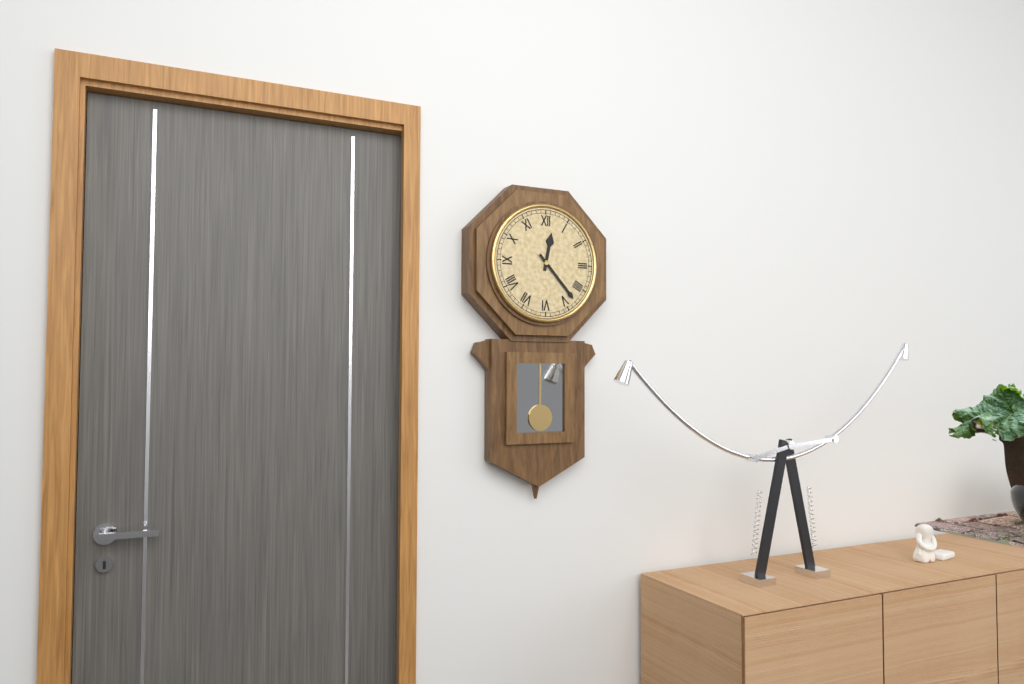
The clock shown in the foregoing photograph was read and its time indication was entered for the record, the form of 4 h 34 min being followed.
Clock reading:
12 h 23 min
